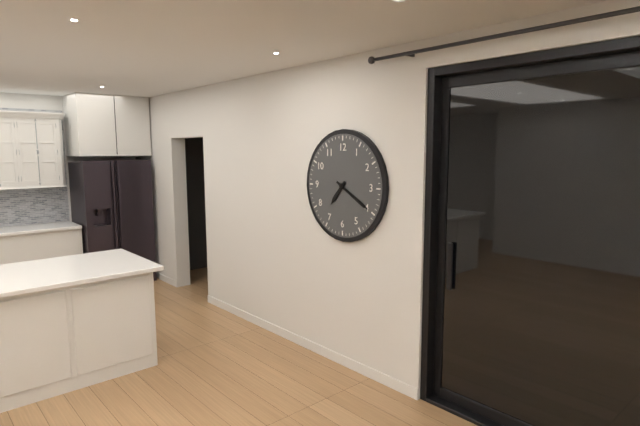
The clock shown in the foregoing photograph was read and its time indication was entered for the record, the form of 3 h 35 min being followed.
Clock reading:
7 h 20 min
